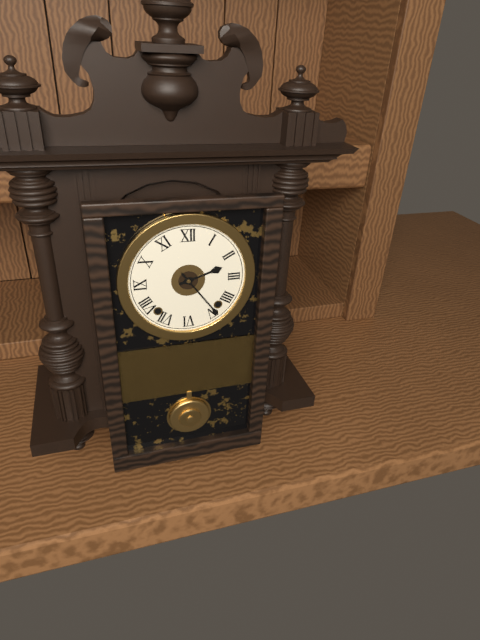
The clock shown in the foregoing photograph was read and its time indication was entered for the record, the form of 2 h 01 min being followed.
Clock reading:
2 h 24 min
